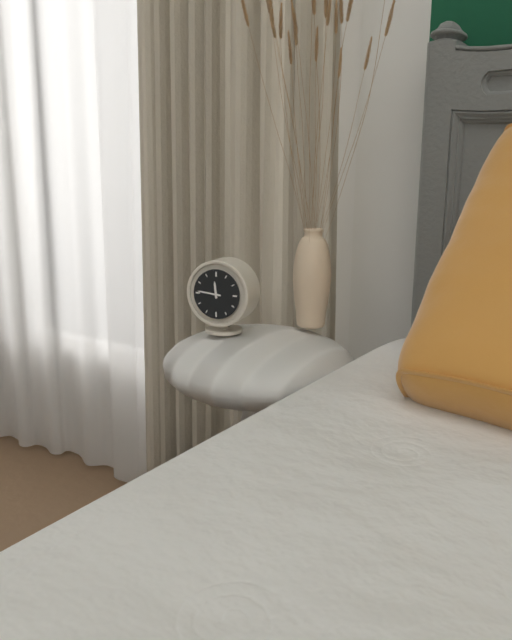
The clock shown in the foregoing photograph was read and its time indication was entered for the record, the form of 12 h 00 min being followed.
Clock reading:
11 h 46 min
